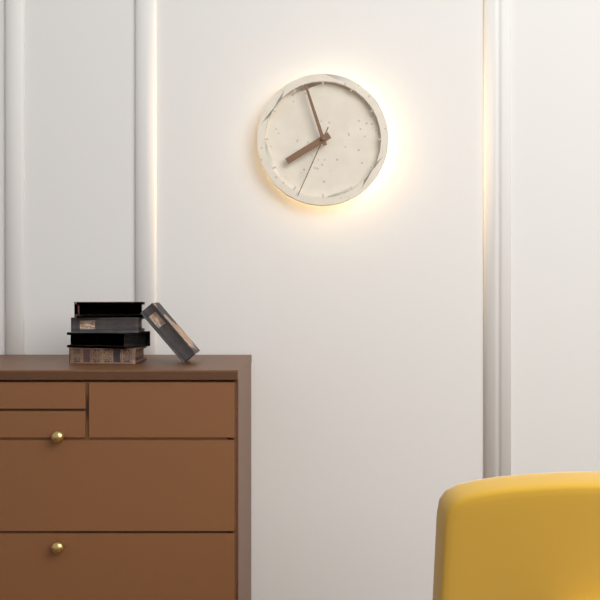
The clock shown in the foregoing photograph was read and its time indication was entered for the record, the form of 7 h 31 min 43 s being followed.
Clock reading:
7 h 57 min 34 s
